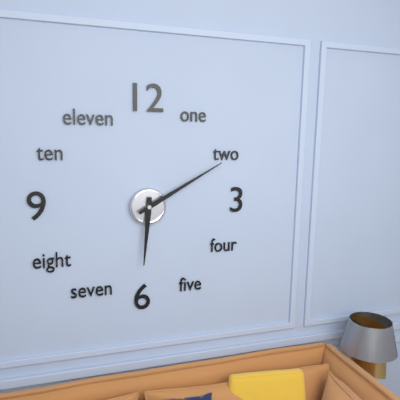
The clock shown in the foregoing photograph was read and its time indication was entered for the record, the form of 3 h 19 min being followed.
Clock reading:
6 h 10 min
